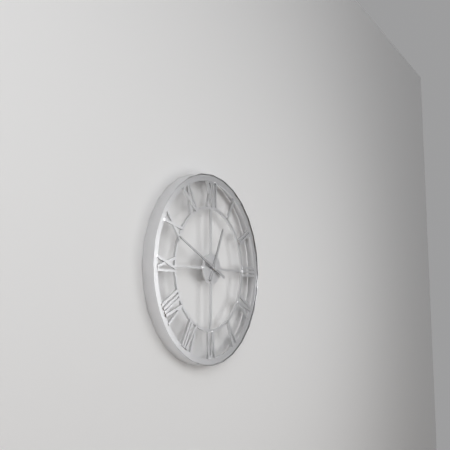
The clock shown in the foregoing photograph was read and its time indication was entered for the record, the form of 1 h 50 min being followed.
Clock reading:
12 h 49 min
